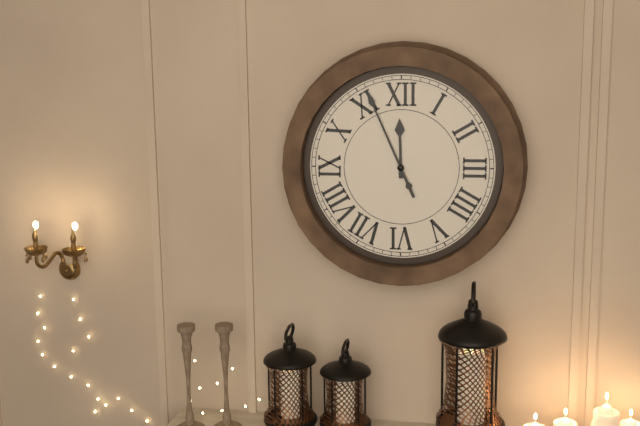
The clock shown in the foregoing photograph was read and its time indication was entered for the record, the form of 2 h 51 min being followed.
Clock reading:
11 h 56 min
